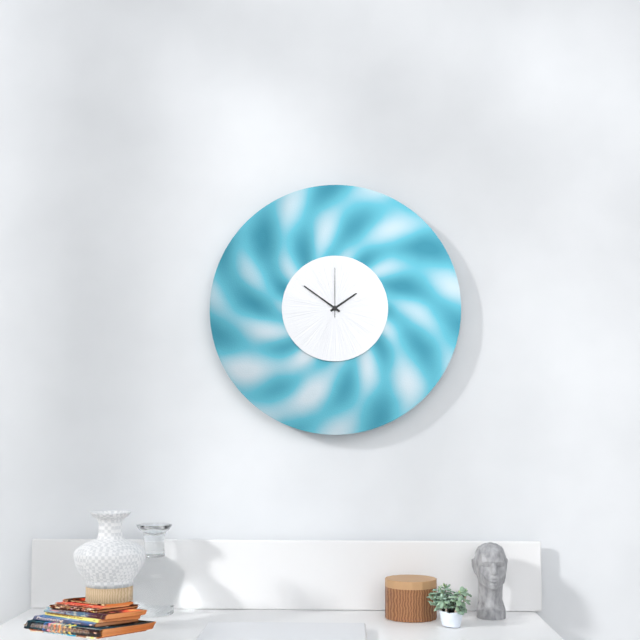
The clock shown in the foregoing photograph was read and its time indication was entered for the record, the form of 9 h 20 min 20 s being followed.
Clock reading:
1 h 51 min 00 s
